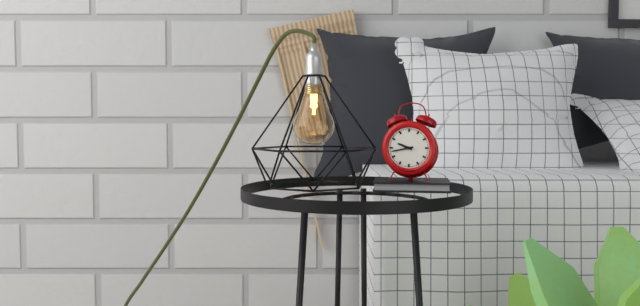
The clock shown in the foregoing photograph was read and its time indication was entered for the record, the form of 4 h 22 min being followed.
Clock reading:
9 h 43 min
